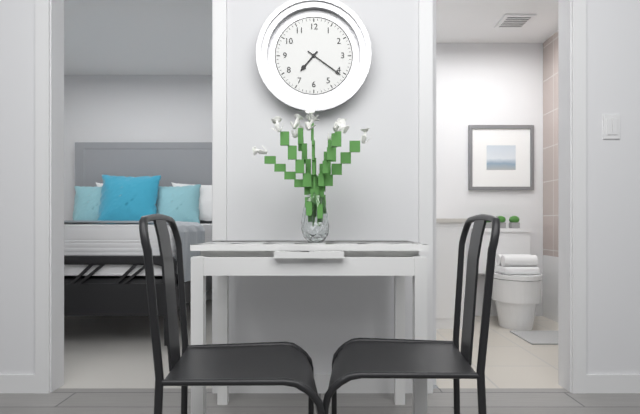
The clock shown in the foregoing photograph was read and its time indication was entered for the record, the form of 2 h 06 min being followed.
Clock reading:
7 h 21 min
